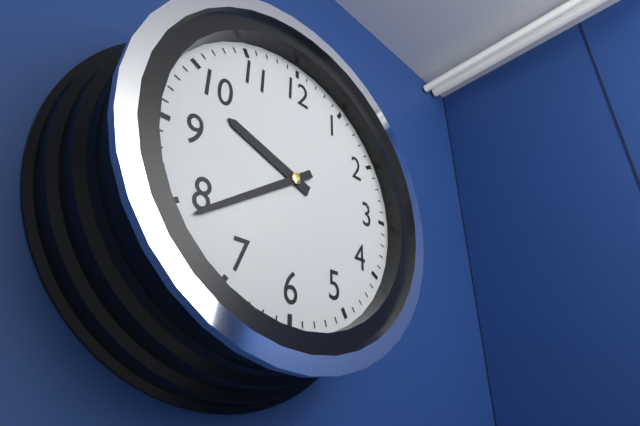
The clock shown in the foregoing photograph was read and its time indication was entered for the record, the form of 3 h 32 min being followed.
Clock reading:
9 h 39 min
